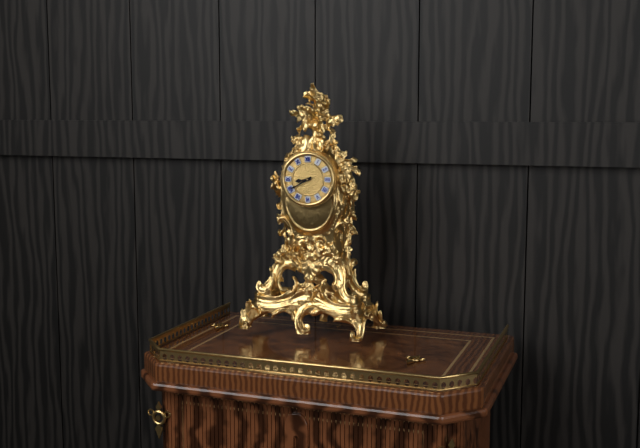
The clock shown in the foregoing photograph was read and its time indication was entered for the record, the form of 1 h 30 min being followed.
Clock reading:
8 h 40 min
